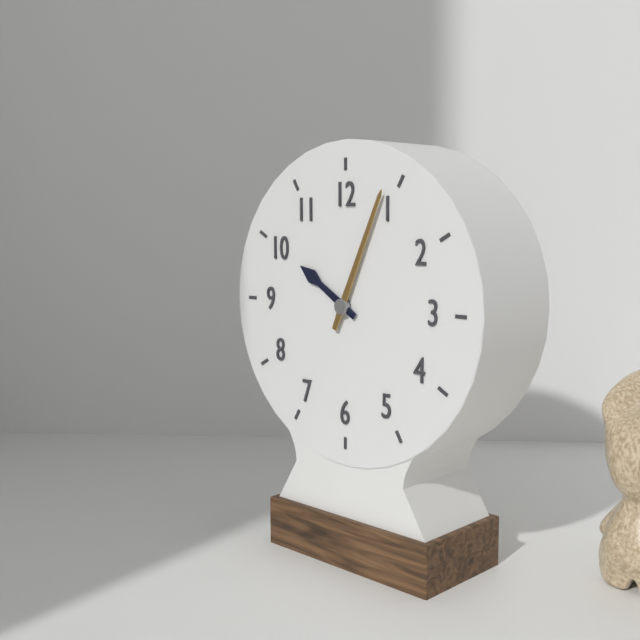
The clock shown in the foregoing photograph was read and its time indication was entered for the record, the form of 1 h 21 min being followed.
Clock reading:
10 h 04 min
